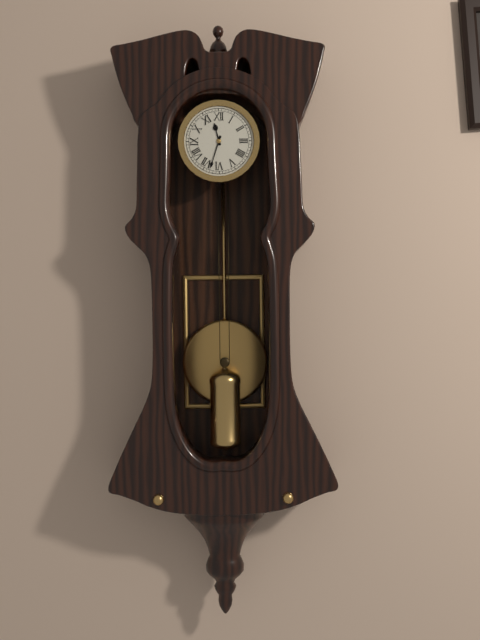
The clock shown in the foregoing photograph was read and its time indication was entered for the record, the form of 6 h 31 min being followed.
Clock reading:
11 h 33 min
